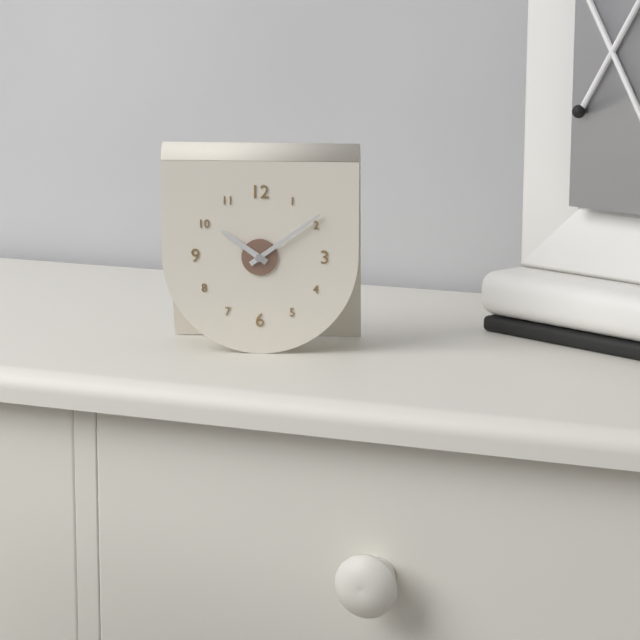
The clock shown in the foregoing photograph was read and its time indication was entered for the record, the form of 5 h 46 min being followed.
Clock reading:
10 h 09 min
